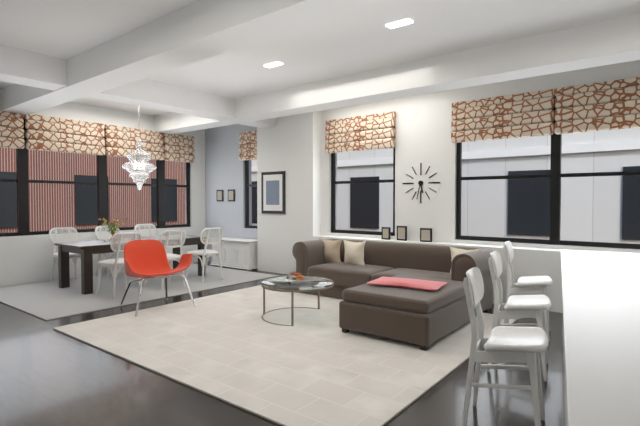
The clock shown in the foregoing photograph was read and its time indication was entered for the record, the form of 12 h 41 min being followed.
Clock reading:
5 h 32 min
